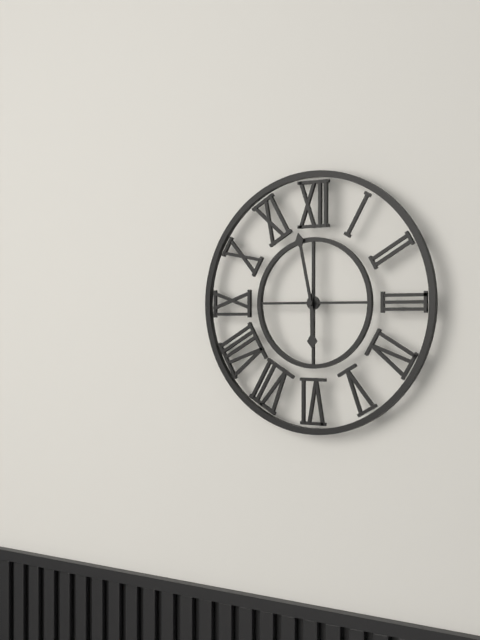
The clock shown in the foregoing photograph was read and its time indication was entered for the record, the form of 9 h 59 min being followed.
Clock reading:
5 h 58 min
